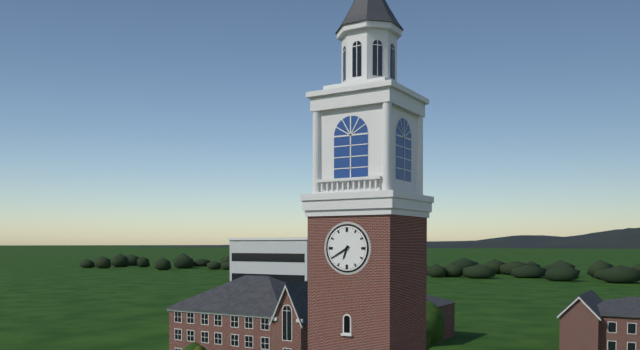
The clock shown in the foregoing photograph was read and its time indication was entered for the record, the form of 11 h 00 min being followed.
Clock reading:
6 h 40 min
